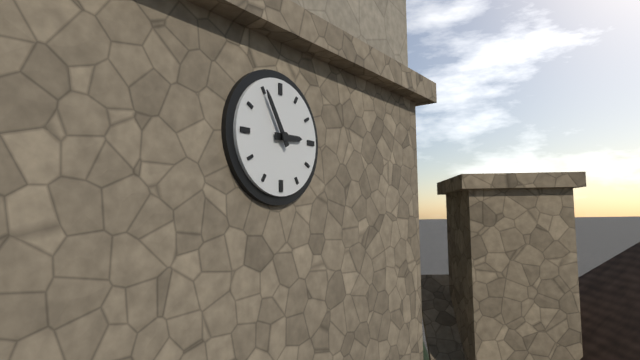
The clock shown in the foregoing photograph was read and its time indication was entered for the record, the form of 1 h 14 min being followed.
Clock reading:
2 h 55 min
